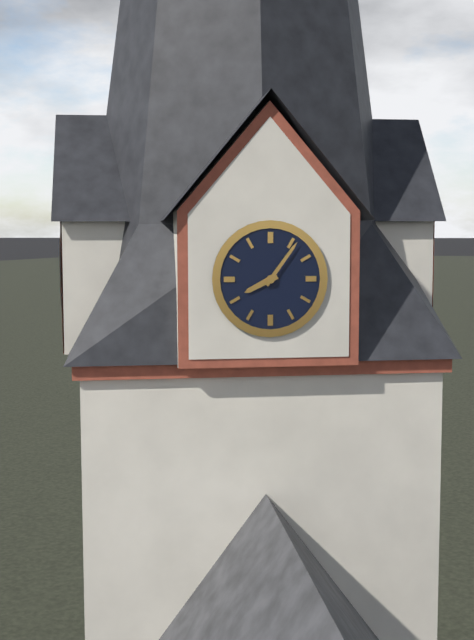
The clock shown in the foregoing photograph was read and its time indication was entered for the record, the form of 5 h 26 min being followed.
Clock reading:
8 h 06 min
